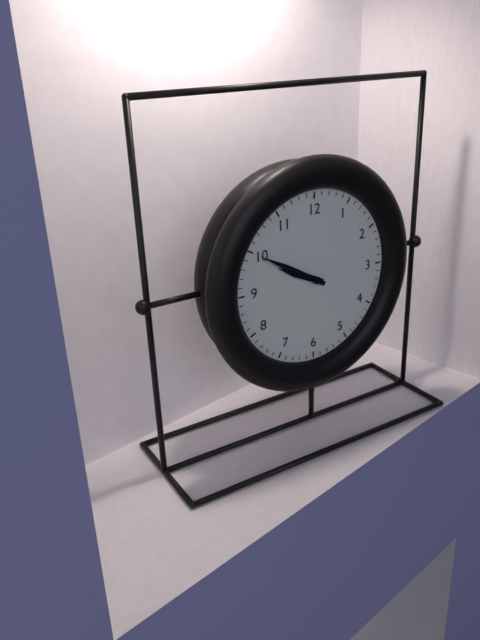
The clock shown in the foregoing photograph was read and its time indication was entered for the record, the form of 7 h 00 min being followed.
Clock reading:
9 h 50 min
